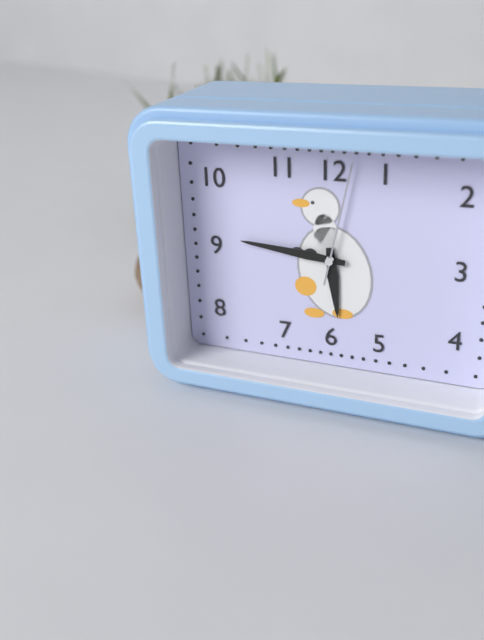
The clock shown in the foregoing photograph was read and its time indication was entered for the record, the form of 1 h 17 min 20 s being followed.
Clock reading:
5 h 46 min 02 s
